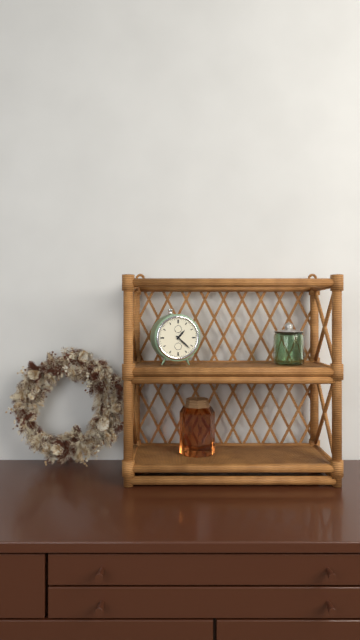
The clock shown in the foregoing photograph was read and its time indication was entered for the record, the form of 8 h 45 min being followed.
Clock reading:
1 h 22 min
